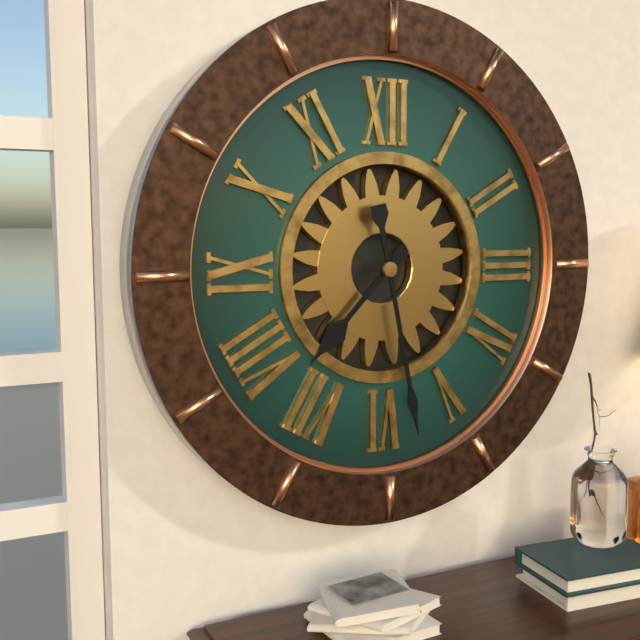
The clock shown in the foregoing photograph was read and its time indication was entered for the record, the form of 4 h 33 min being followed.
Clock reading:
7 h 28 min
